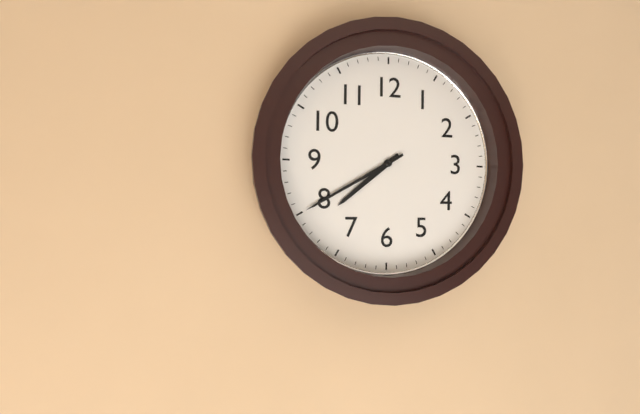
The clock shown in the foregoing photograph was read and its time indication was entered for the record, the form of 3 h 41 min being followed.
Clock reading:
7 h 40 min
